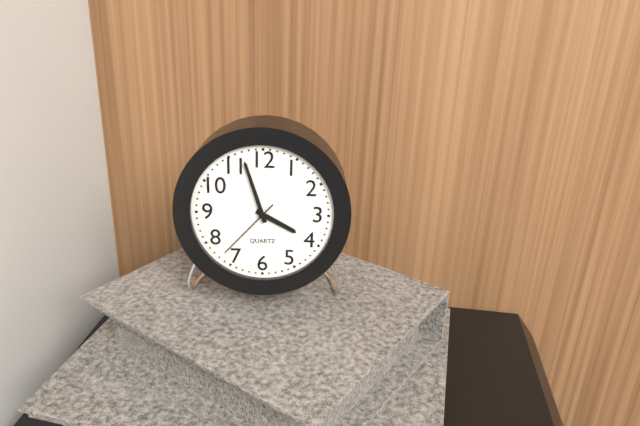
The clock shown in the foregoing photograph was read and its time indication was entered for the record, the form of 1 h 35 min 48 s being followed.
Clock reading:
3 h 57 min 37 s
